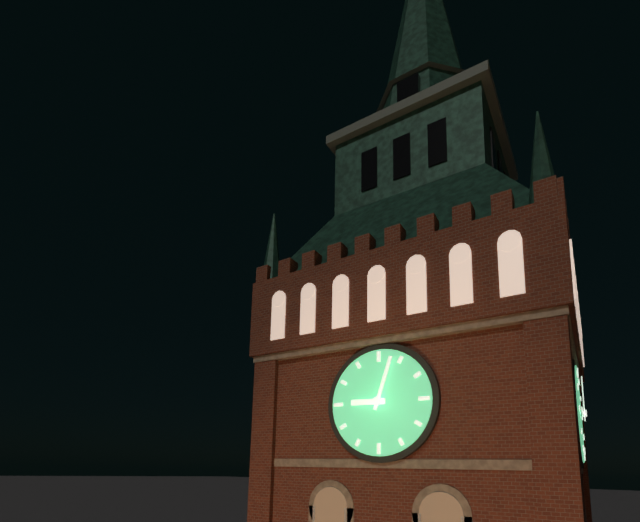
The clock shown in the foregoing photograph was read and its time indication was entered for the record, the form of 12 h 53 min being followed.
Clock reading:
9 h 03 min
